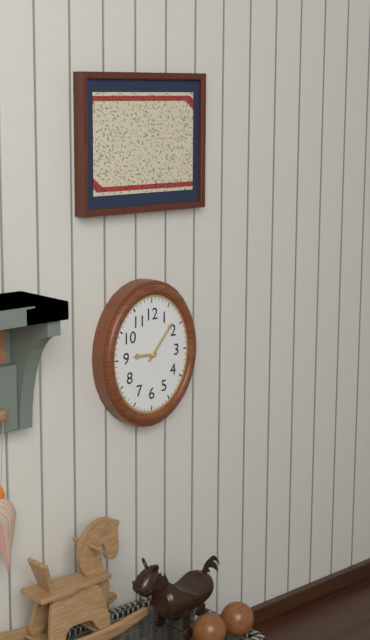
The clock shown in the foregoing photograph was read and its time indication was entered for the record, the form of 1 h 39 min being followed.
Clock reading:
9 h 07 min
